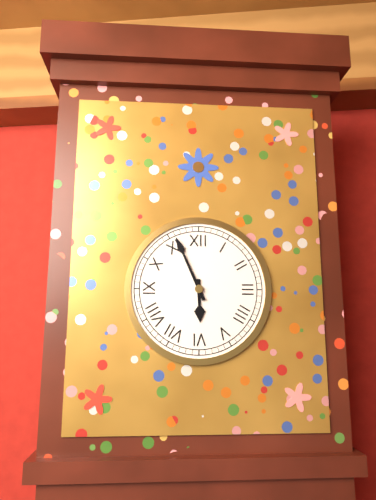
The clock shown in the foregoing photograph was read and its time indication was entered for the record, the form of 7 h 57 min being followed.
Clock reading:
5 h 56 min
